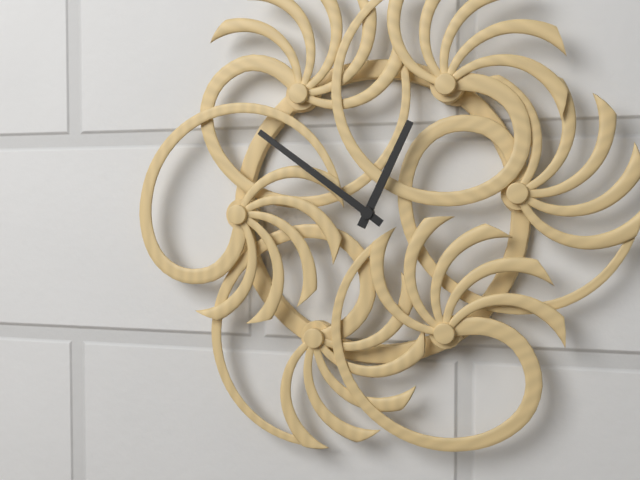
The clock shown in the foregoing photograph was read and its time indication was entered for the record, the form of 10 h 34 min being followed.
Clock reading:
12 h 51 min
